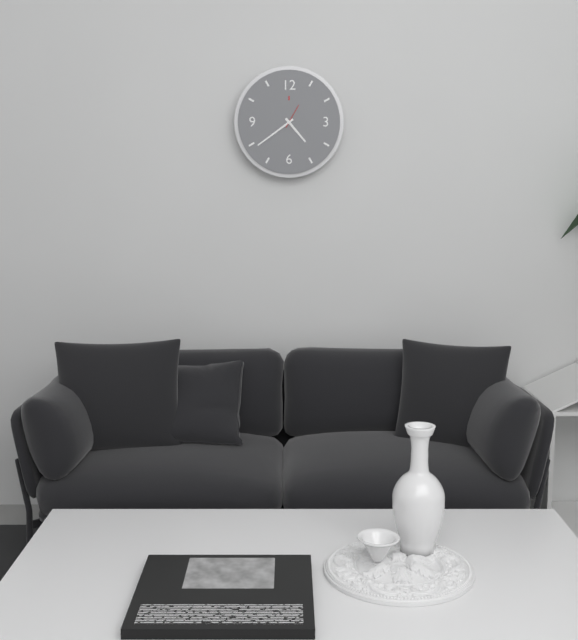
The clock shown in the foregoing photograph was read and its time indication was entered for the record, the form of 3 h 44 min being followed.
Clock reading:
4 h 39 min
